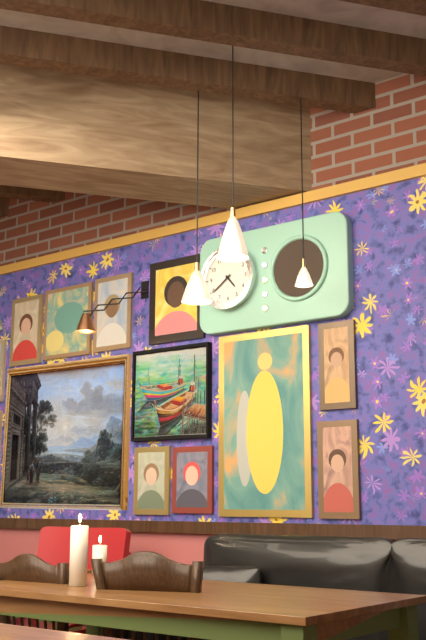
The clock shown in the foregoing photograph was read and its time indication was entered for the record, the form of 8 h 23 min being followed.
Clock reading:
4 h 39 min
